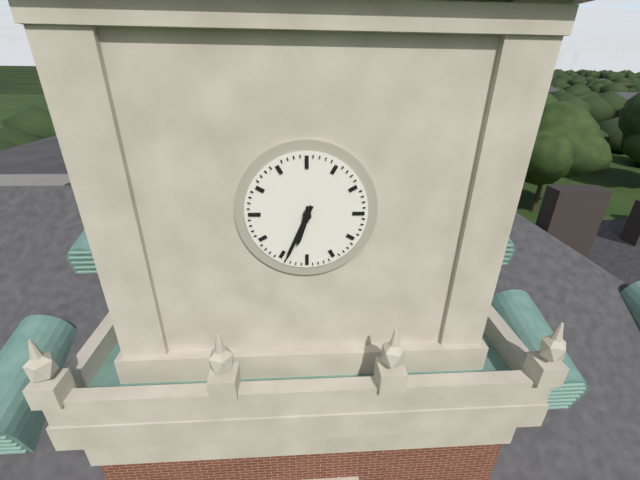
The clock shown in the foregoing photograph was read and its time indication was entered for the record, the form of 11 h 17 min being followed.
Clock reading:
6 h 34 min
